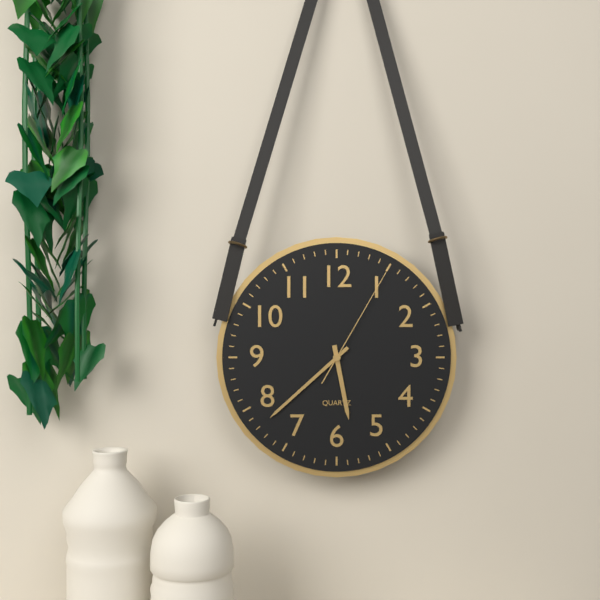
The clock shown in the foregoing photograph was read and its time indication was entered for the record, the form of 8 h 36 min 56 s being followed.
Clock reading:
5 h 38 min 05 s
